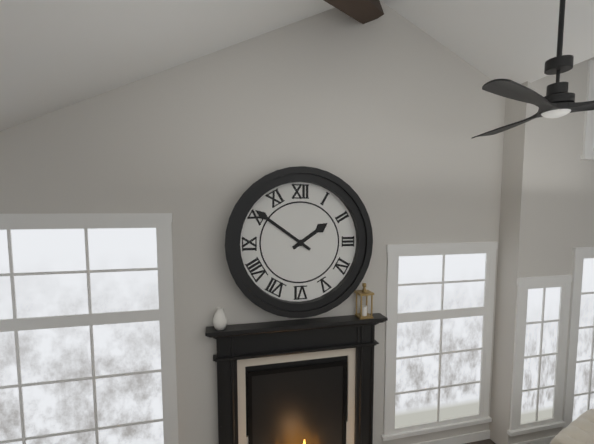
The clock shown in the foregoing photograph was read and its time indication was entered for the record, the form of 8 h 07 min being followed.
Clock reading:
1 h 51 min
